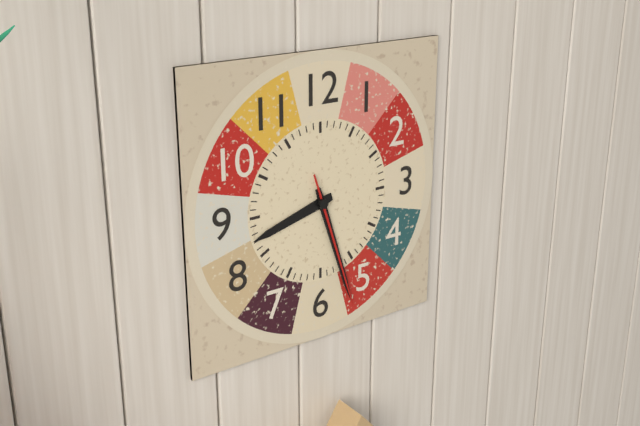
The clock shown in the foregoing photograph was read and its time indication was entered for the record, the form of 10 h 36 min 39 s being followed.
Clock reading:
8 h 27 min 27 s
